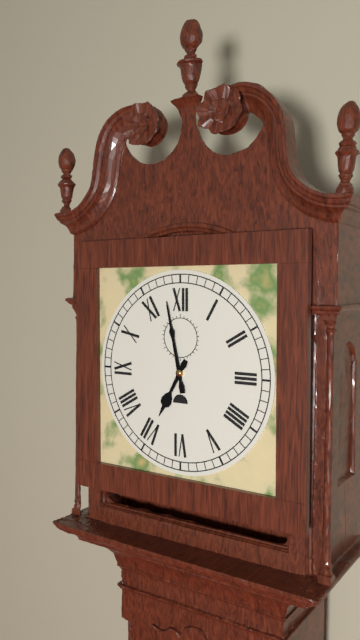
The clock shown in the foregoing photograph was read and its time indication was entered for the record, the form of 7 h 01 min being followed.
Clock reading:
6 h 58 min
